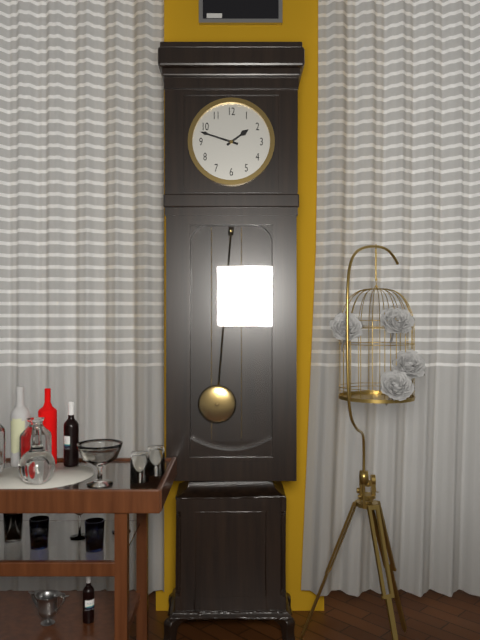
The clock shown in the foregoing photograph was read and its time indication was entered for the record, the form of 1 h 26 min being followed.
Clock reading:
1 h 48 min
